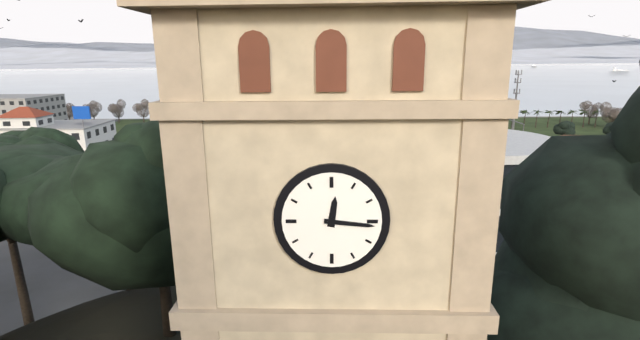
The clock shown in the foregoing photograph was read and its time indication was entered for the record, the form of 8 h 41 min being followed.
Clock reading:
12 h 16 min
